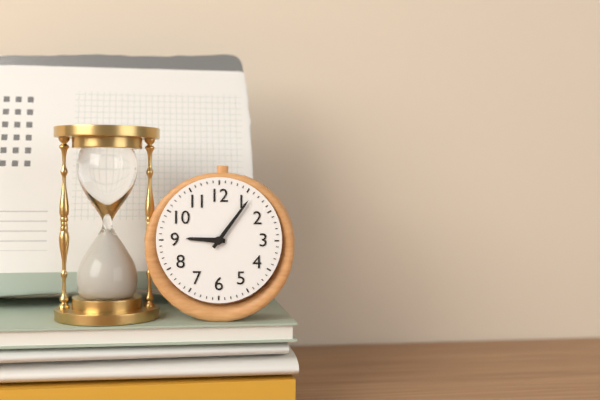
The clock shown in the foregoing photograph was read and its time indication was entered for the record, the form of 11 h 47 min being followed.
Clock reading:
9 h 06 min
